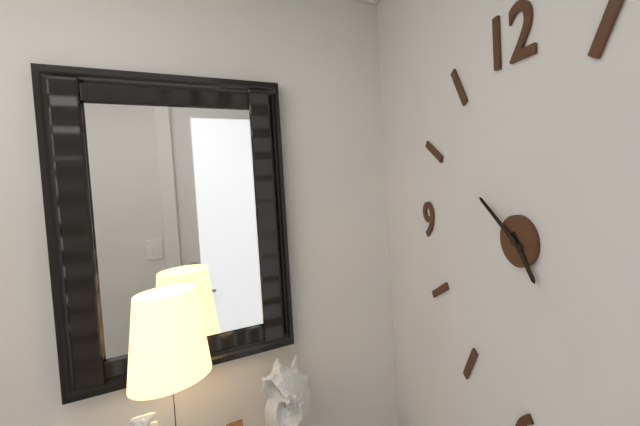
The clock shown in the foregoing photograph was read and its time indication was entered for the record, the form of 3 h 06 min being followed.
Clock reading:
4 h 51 min
